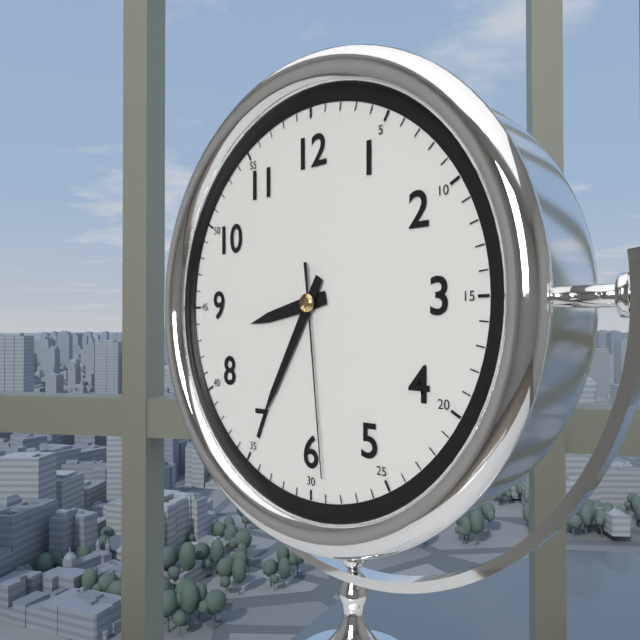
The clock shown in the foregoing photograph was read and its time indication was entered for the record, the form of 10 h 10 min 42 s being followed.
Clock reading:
8 h 35 min 29 s
